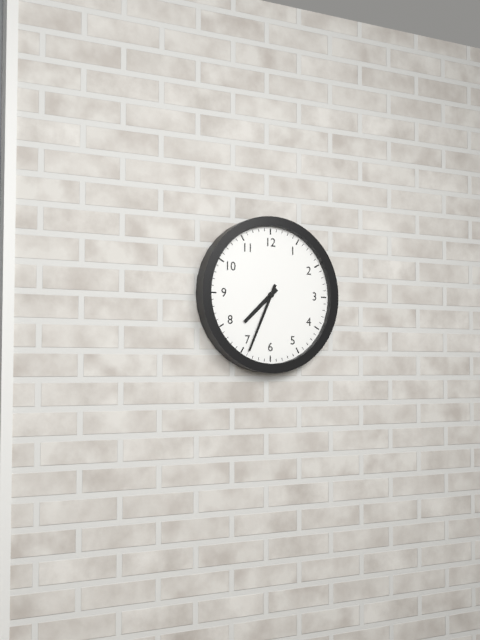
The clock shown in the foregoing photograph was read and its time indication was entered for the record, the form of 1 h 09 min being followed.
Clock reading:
7 h 34 min
